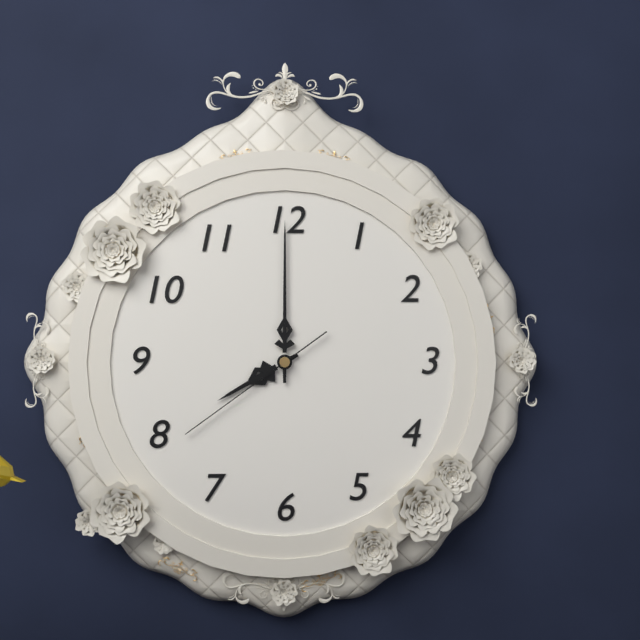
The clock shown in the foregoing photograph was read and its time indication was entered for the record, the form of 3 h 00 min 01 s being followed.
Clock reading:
8 h 00 min 39 s
